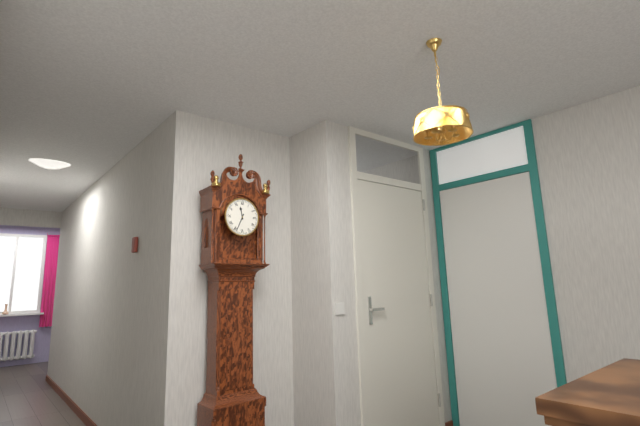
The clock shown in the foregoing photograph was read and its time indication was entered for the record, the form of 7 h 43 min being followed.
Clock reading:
11 h 34 min
